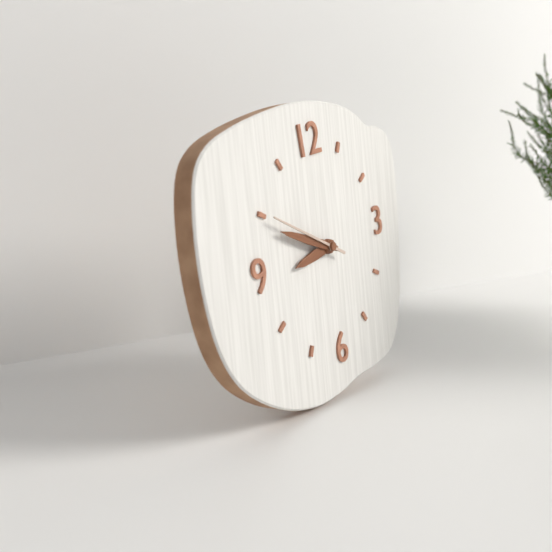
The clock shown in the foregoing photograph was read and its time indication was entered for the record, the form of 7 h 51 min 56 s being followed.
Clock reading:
8 h 49 min 50 s
